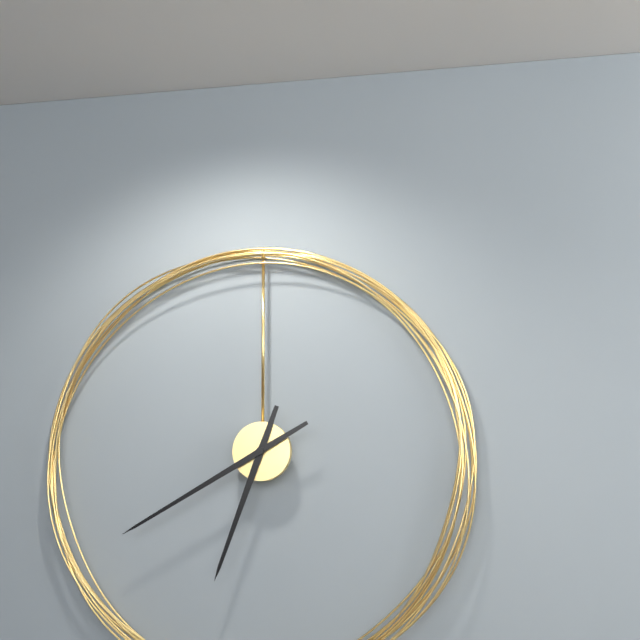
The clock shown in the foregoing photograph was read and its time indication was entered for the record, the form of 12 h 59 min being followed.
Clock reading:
6 h 40 min
